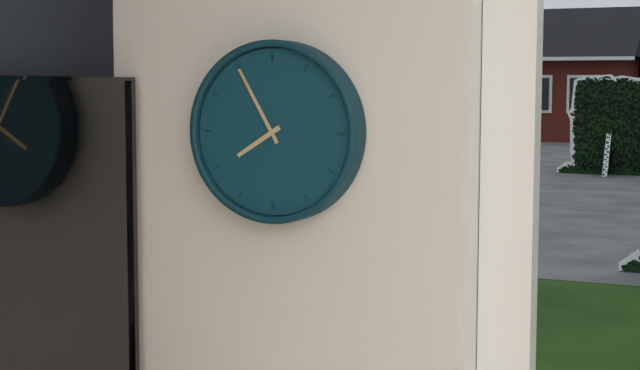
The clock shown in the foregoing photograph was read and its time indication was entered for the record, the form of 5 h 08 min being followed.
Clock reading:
7 h 55 min
